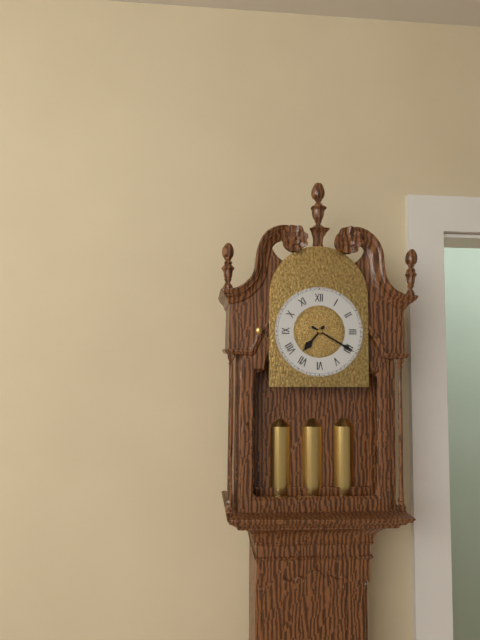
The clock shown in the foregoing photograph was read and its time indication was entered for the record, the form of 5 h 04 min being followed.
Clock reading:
7 h 20 min
